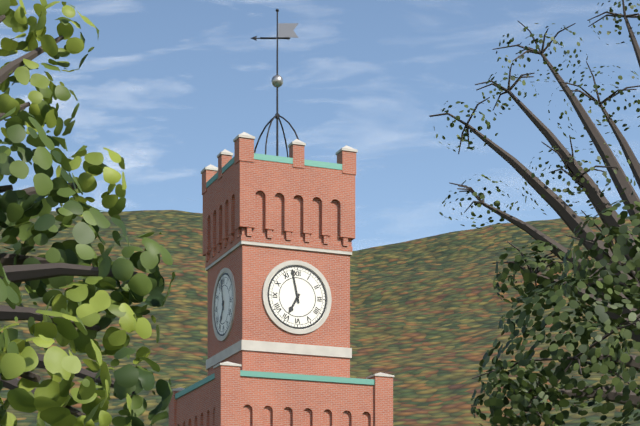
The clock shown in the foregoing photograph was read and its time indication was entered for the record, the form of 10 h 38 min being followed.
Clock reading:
6 h 58 min
